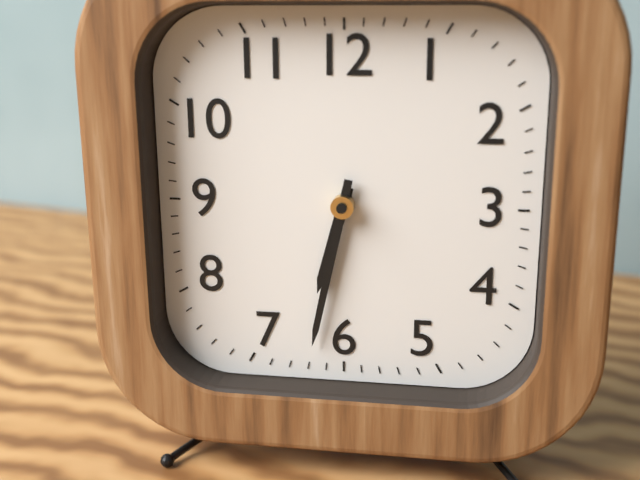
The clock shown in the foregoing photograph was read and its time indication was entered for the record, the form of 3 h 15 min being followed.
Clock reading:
6 h 32 min
